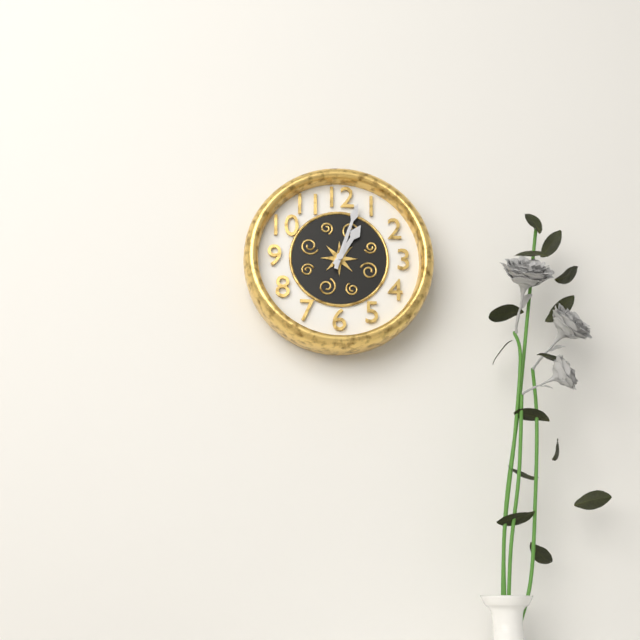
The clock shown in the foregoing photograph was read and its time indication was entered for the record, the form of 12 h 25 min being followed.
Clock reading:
1 h 03 min
